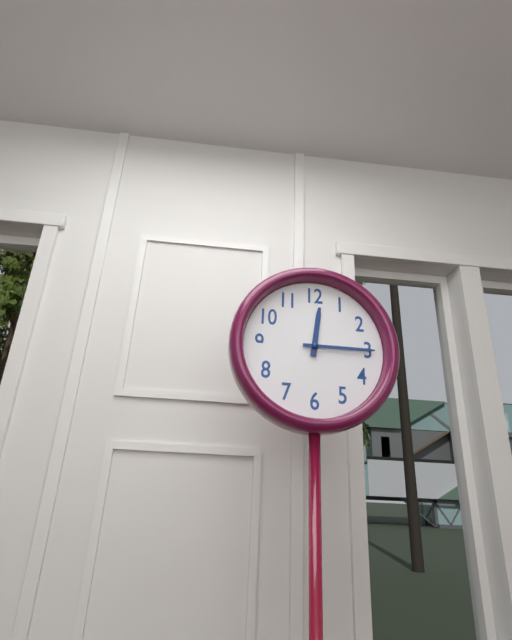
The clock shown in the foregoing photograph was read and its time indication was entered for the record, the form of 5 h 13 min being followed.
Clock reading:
12 h 15 min
